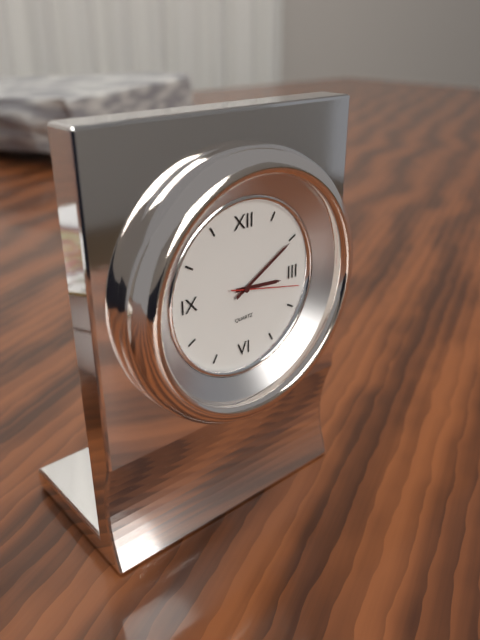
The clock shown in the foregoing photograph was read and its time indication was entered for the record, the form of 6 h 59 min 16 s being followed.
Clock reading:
3 h 10 min 17 s
